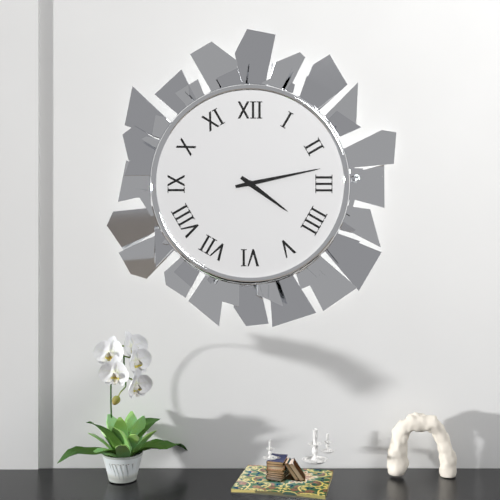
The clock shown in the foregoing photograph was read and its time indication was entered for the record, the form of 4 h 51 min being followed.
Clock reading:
4 h 13 min
